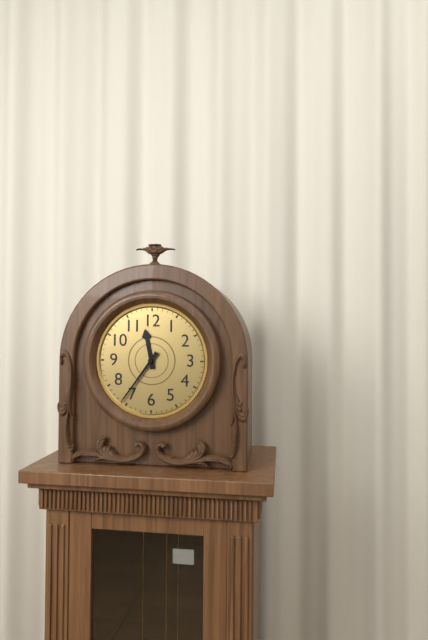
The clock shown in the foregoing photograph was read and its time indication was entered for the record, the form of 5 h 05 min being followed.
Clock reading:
11 h 36 min
